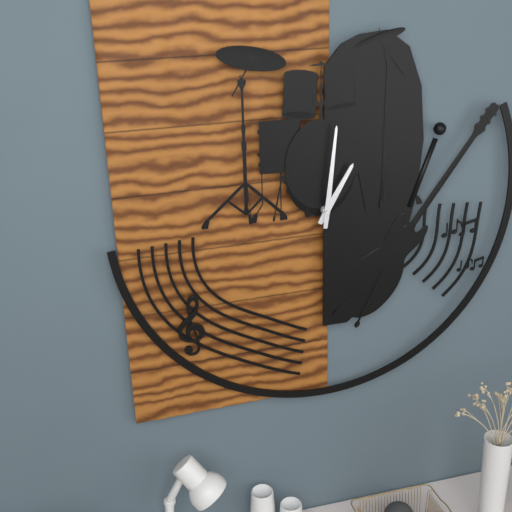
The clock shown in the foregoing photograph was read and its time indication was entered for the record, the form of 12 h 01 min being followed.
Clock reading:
1 h 01 min
